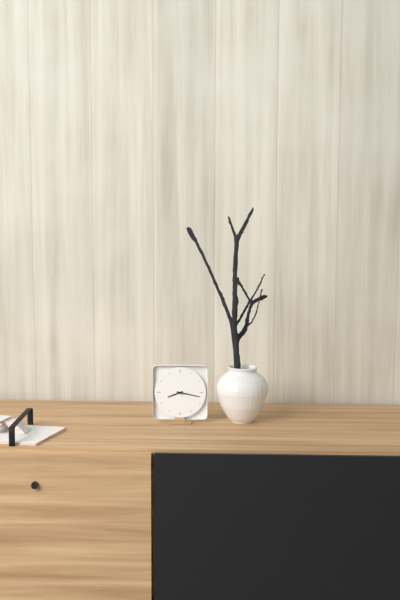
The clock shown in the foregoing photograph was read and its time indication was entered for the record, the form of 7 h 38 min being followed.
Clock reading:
8 h 17 min
